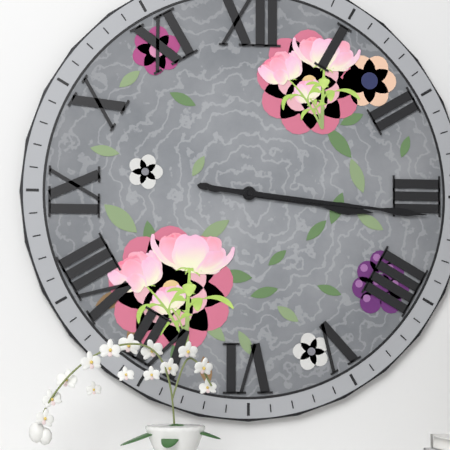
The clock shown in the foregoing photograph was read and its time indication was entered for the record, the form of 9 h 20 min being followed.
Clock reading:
3 h 16 min
